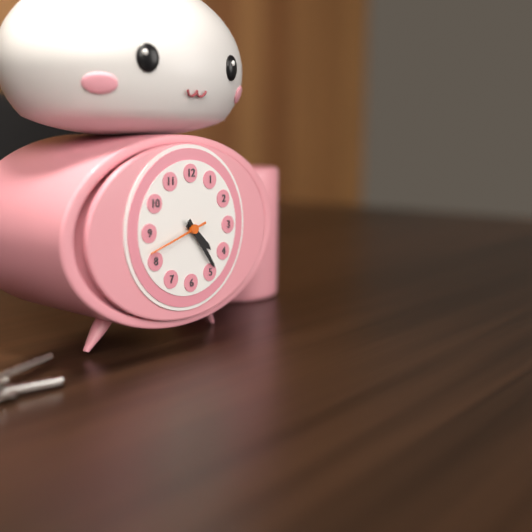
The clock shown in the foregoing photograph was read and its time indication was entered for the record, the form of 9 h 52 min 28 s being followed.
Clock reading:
4 h 24 min 42 s
